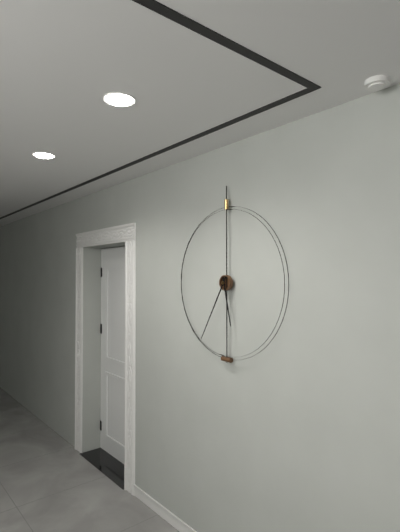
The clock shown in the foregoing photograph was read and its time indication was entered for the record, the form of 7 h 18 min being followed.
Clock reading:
5 h 35 min
